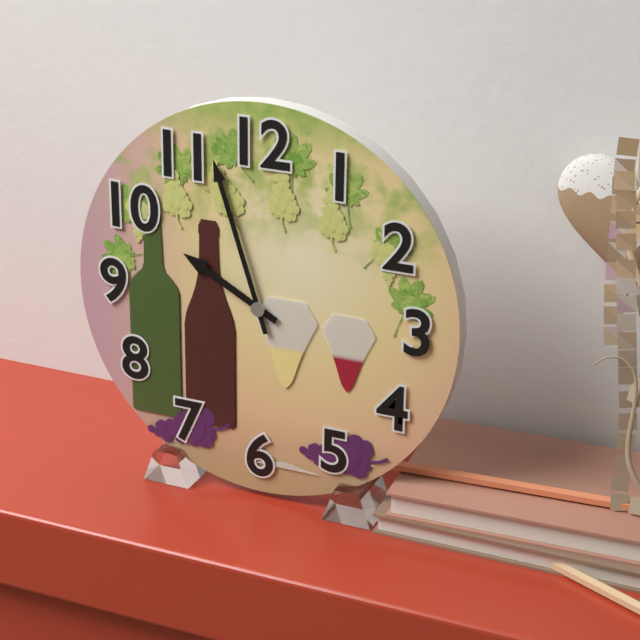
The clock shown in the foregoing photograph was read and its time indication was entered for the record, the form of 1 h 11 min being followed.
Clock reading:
9 h 57 min
